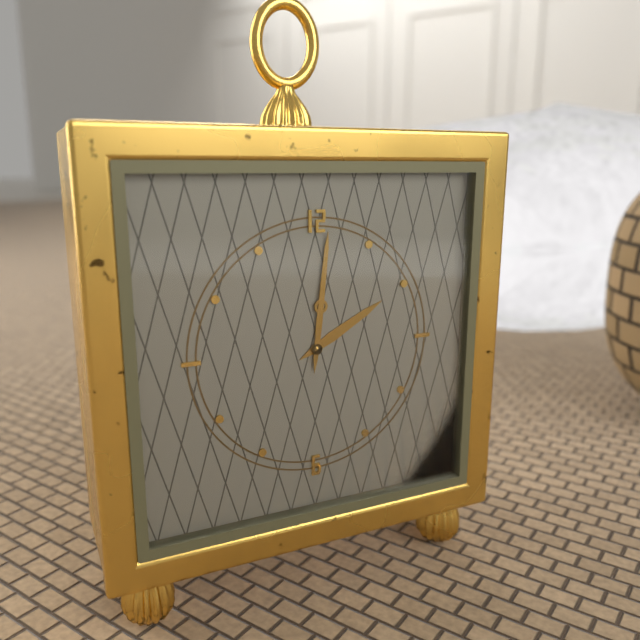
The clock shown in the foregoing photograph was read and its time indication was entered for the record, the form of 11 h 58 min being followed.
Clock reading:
2 h 01 min
